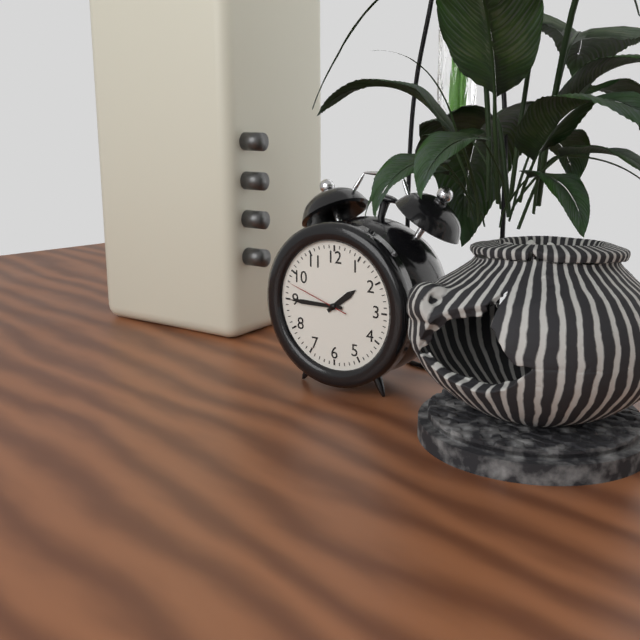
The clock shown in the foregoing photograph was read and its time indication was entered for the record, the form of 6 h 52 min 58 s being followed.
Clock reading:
1 h 45 min 48 s
